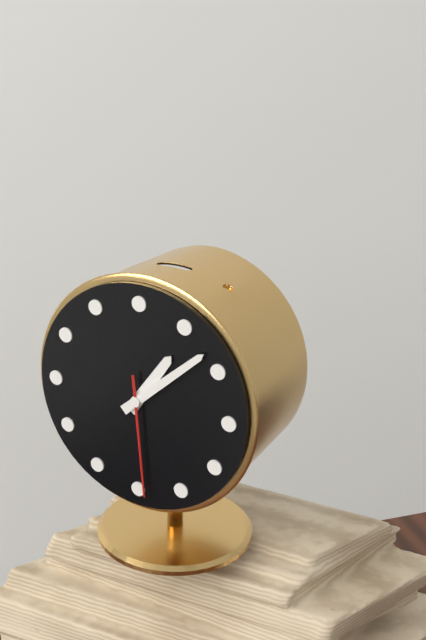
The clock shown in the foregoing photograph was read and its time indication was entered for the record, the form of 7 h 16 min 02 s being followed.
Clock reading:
1 h 08 min 29 s
